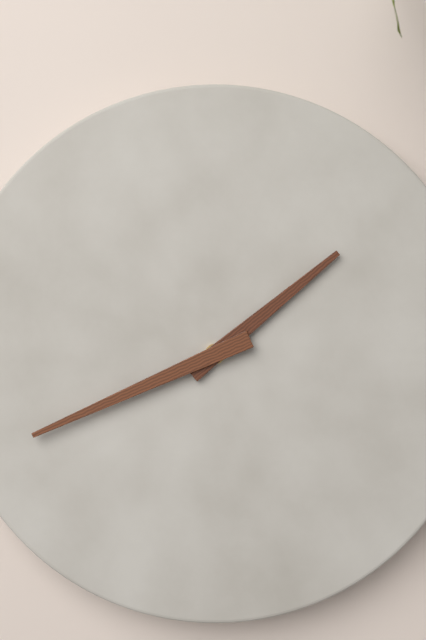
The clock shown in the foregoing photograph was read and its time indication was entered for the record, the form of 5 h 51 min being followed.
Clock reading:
1 h 41 min
